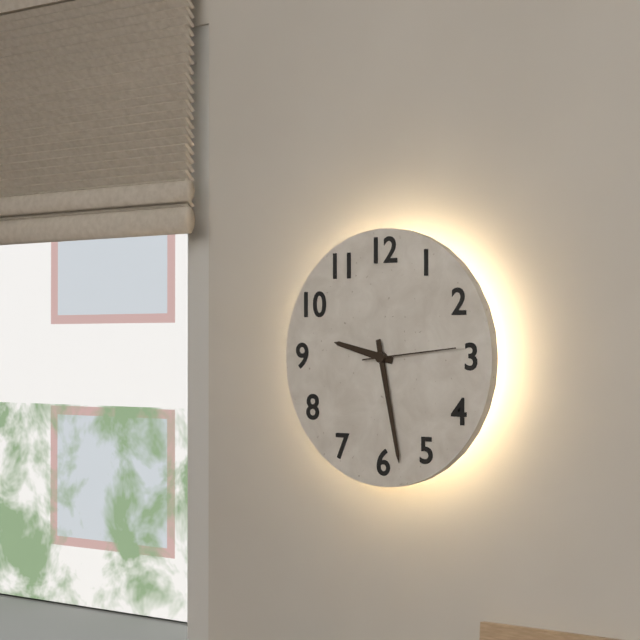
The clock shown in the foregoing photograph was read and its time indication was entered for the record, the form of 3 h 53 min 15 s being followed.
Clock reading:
9 h 28 min 14 s
